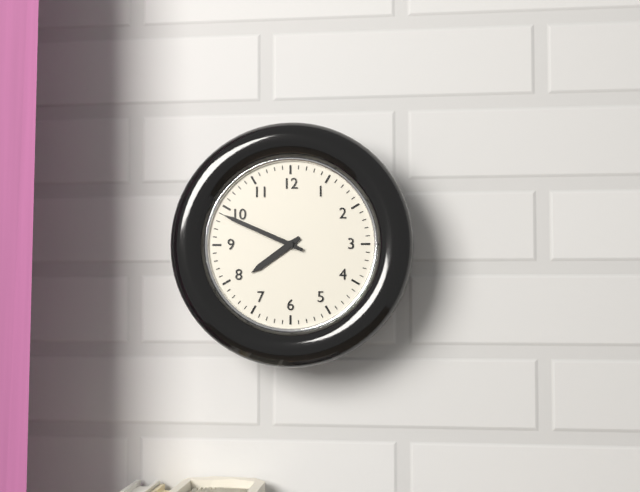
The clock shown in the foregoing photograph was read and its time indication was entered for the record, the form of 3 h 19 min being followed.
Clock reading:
7 h 49 min
